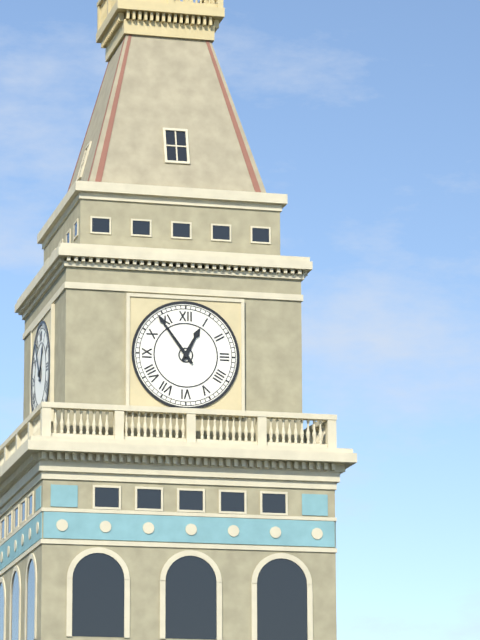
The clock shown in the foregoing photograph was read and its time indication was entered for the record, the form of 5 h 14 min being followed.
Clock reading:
12 h 54 min
